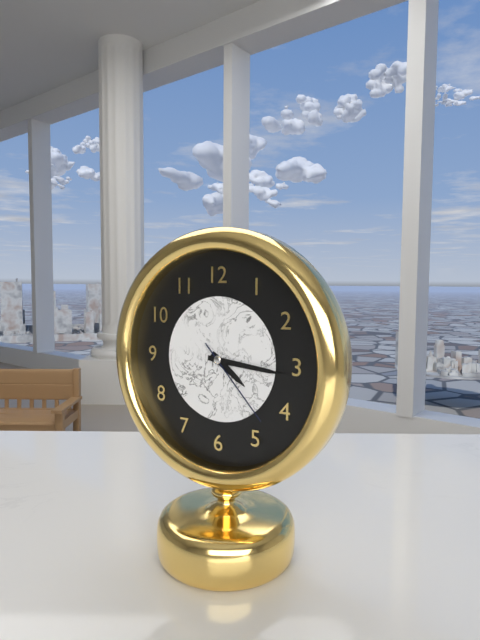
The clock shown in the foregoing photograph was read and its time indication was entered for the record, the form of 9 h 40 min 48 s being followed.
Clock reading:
4 h 16 min 23 s
